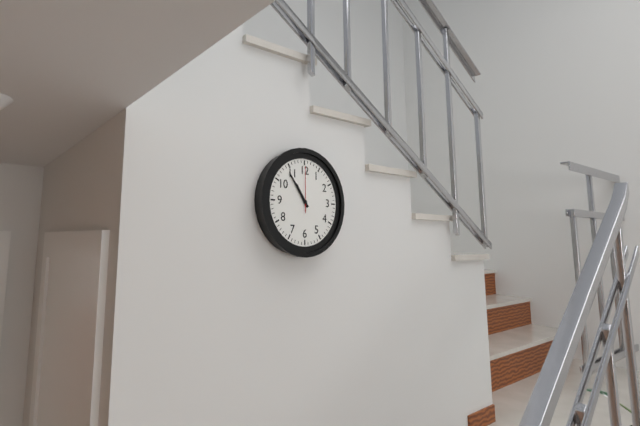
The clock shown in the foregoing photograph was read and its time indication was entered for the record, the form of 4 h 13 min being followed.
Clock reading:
10 h 54 min
